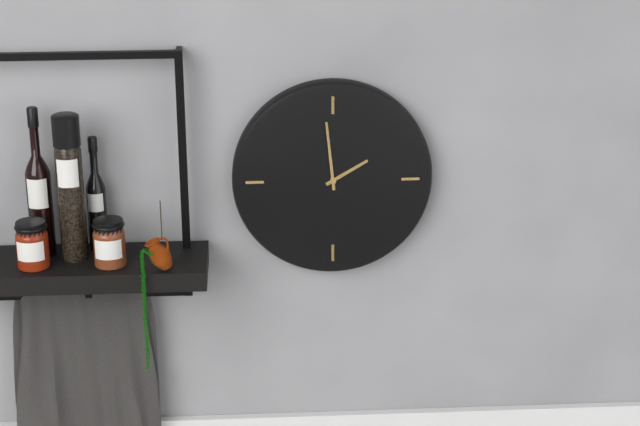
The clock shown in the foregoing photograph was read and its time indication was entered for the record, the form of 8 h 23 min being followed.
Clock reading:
1 h 59 min
